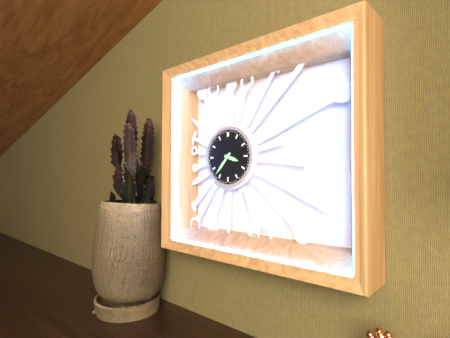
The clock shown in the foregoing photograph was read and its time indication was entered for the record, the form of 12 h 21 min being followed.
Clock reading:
3 h 37 min
